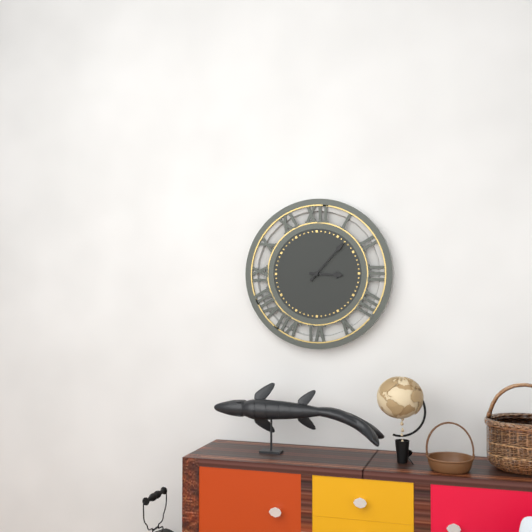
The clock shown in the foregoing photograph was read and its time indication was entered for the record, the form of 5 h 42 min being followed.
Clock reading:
3 h 07 min
